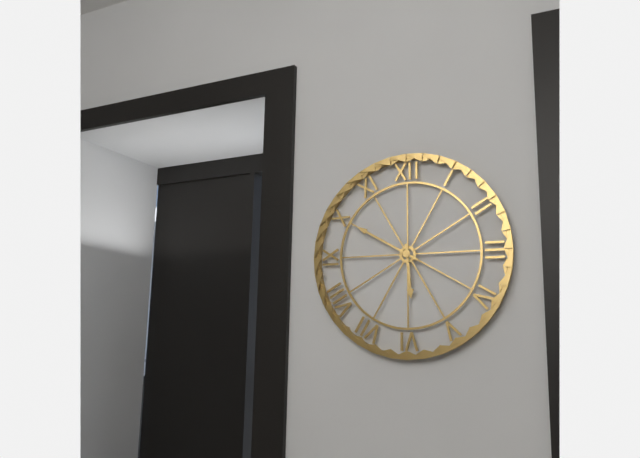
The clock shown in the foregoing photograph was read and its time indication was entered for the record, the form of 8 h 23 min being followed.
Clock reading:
5 h 50 min
